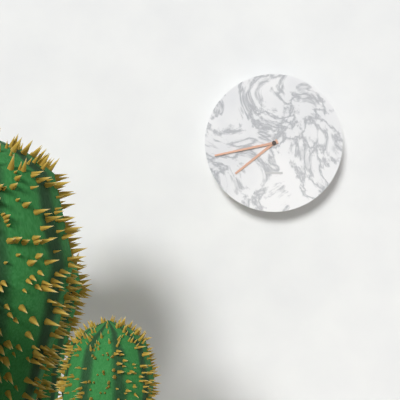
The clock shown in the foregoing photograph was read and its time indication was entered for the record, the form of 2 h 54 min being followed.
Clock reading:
7 h 43 min
